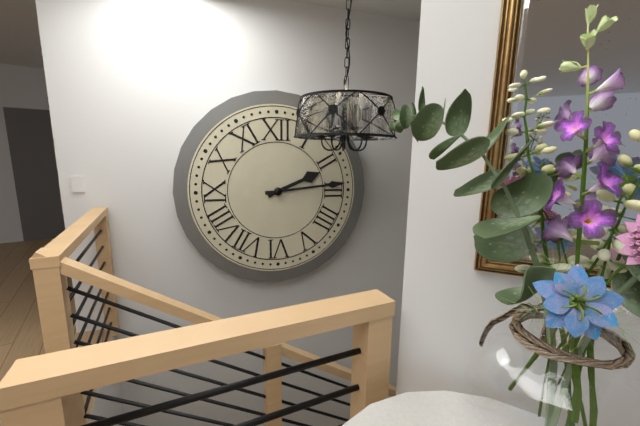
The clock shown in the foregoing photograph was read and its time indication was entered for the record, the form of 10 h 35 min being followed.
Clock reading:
2 h 14 min
